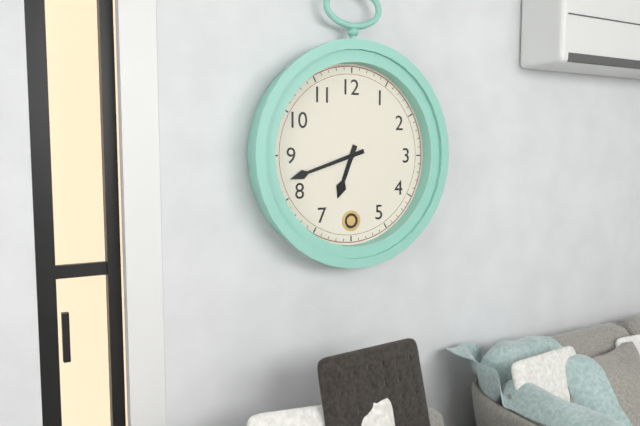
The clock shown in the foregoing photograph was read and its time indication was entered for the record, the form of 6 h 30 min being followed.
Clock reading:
6 h 42 min
